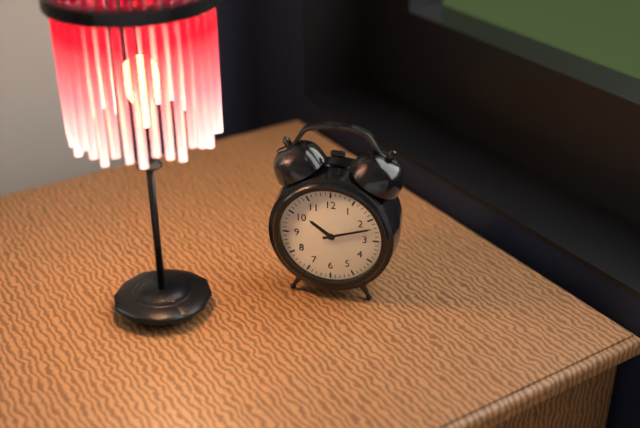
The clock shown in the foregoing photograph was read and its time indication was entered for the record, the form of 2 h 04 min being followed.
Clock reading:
10 h 12 min
